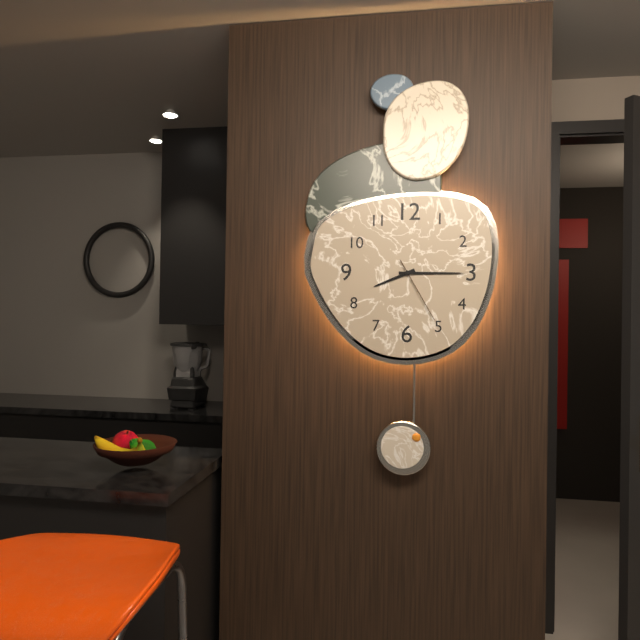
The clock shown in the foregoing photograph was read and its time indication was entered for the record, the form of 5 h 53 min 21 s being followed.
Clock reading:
8 h 15 min 25 s
